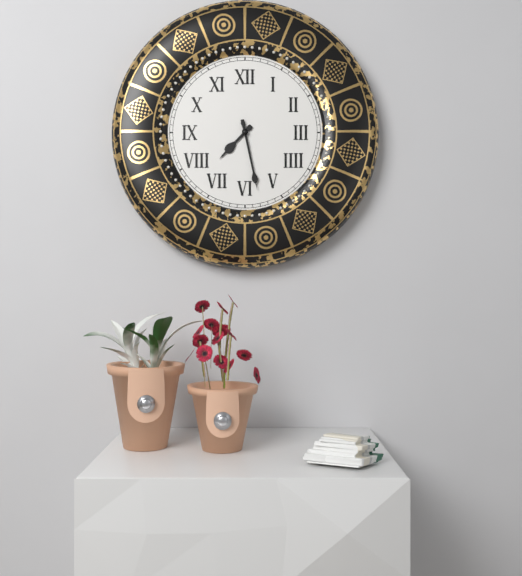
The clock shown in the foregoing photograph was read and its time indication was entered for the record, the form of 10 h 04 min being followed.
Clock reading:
7 h 28 min
